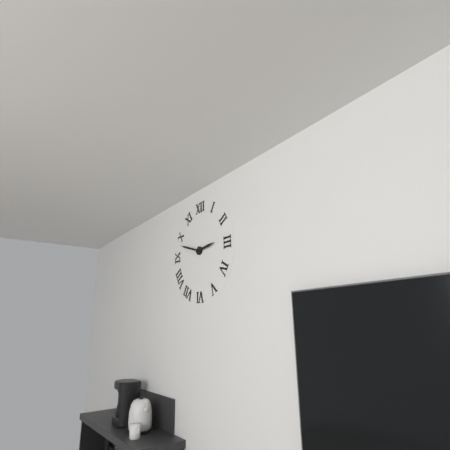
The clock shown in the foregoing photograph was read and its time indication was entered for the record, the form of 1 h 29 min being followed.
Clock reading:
2 h 48 min
